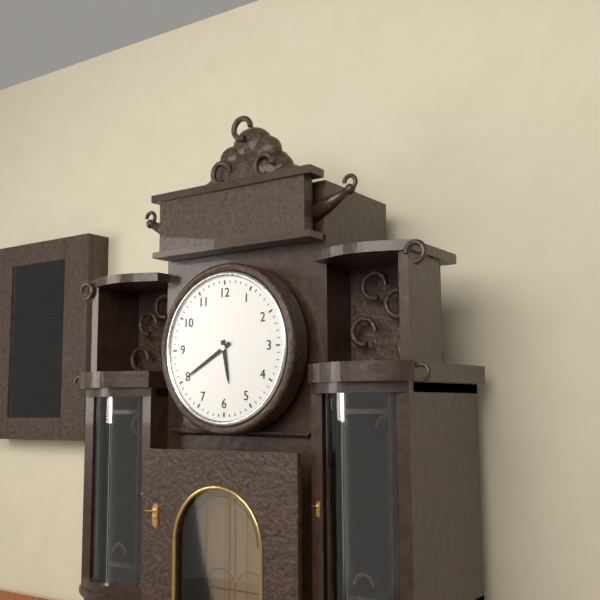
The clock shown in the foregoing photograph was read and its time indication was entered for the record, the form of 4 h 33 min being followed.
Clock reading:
5 h 40 min
